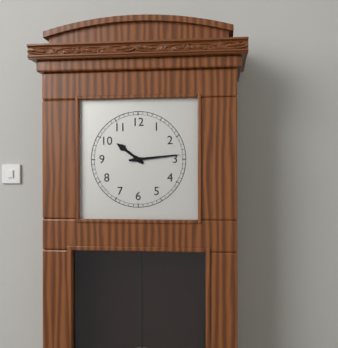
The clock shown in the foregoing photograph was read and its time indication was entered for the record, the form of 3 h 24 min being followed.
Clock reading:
10 h 14 min
